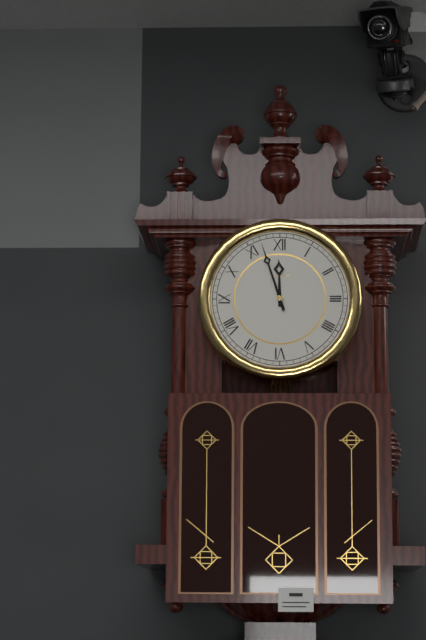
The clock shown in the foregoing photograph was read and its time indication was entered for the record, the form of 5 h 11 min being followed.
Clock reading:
11 h 57 min
